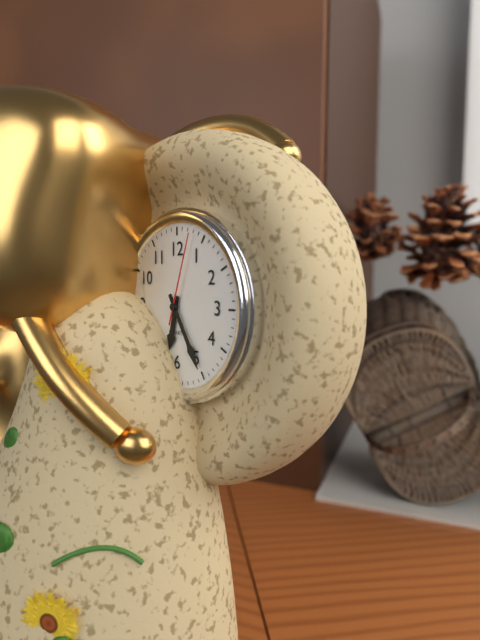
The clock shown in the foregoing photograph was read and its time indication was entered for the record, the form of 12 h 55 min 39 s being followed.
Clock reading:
6 h 25 min 03 s
